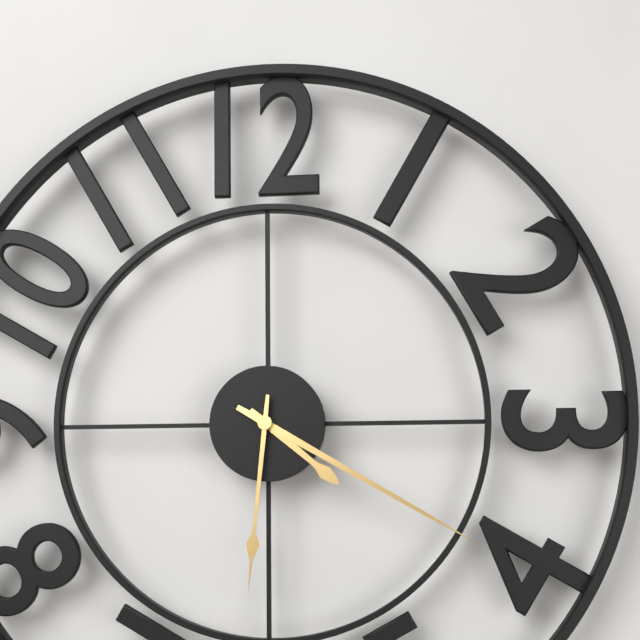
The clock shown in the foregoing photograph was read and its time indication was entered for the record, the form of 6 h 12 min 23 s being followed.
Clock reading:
4 h 20 min 31 s
